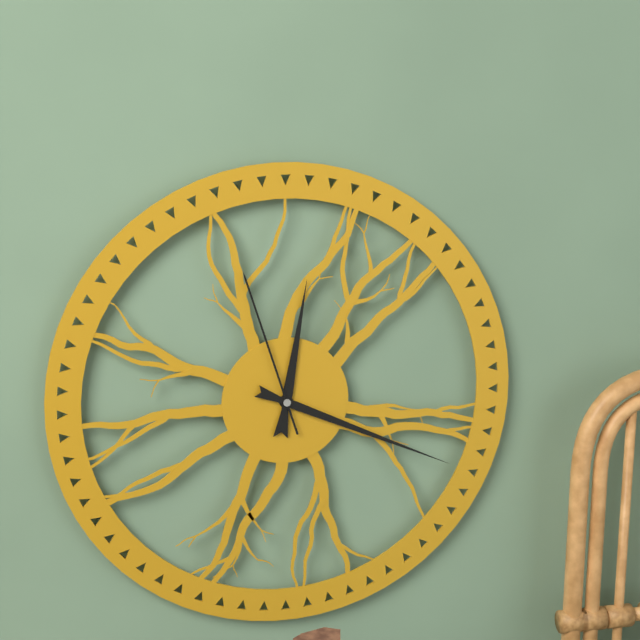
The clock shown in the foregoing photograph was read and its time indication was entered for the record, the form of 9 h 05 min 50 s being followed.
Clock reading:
12 h 19 min 57 s
